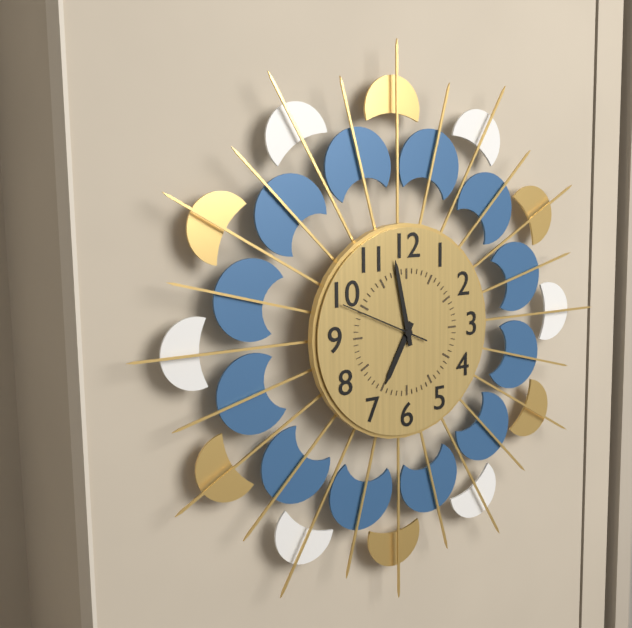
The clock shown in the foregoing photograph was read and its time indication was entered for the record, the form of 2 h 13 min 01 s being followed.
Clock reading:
6 h 58 min 49 s
